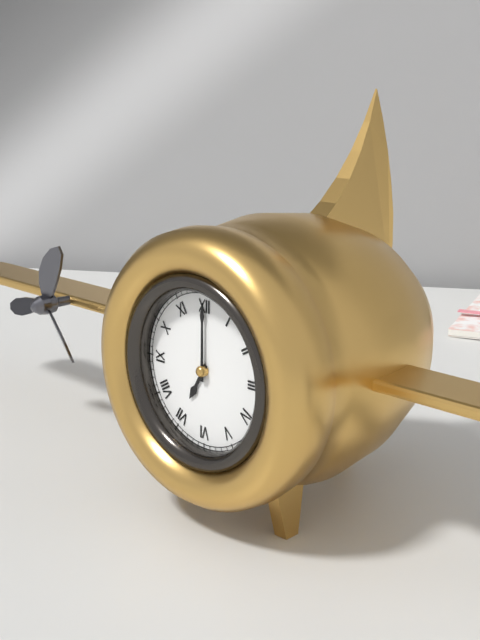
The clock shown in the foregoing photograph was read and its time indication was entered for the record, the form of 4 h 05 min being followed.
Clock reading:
7 h 00 min
